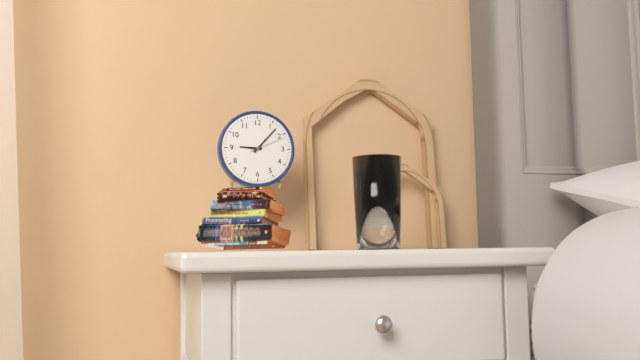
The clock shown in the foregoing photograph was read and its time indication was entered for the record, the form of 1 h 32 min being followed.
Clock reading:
9 h 07 min
